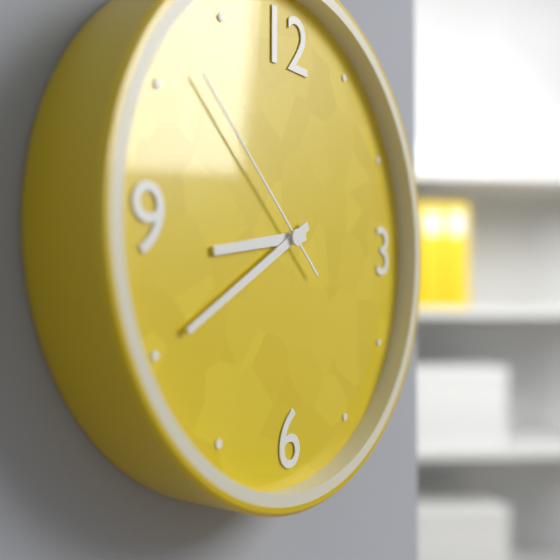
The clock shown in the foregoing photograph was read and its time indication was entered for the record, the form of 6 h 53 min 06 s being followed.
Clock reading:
8 h 40 min 52 s
